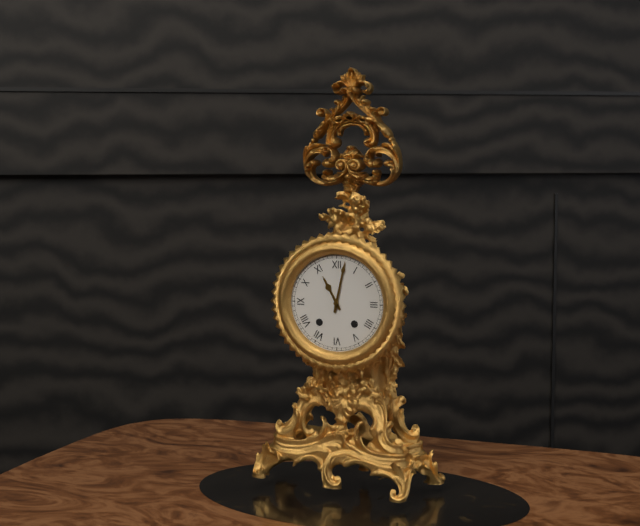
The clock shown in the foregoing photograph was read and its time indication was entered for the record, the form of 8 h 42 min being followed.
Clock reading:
11 h 02 min
